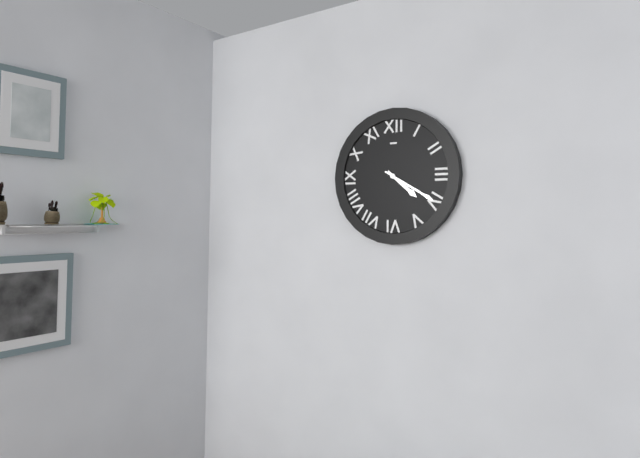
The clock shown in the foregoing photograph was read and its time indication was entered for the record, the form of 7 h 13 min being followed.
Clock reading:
4 h 20 min
